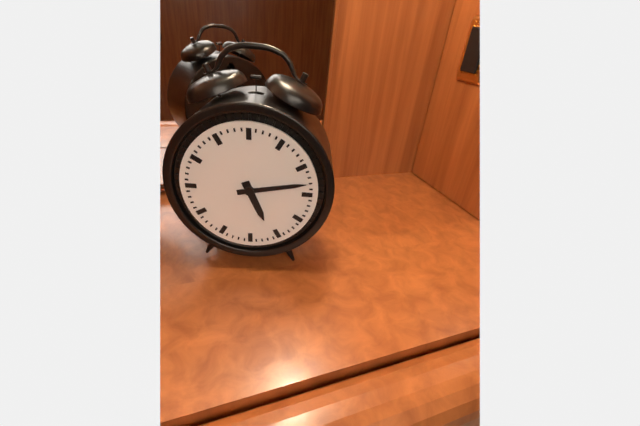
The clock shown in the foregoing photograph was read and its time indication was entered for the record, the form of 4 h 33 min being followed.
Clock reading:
5 h 13 min
